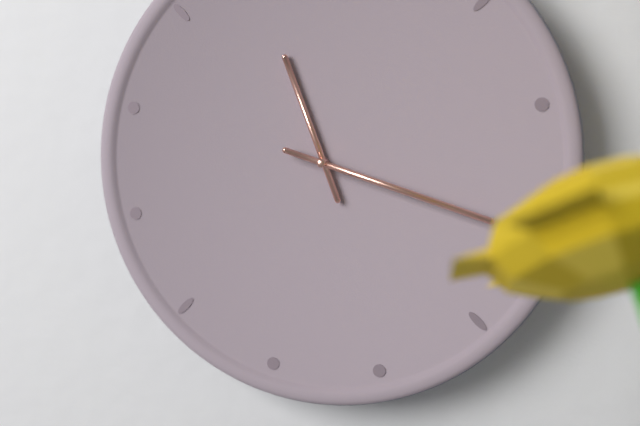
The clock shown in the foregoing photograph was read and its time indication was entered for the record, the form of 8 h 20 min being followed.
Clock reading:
11 h 18 min
